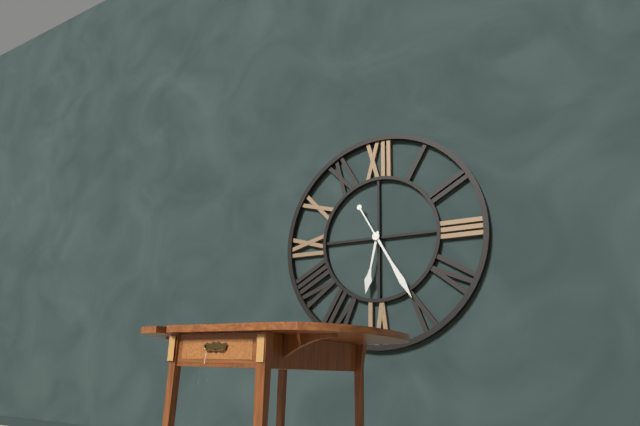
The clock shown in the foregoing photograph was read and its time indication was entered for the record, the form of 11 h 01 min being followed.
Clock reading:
6 h 25 min
